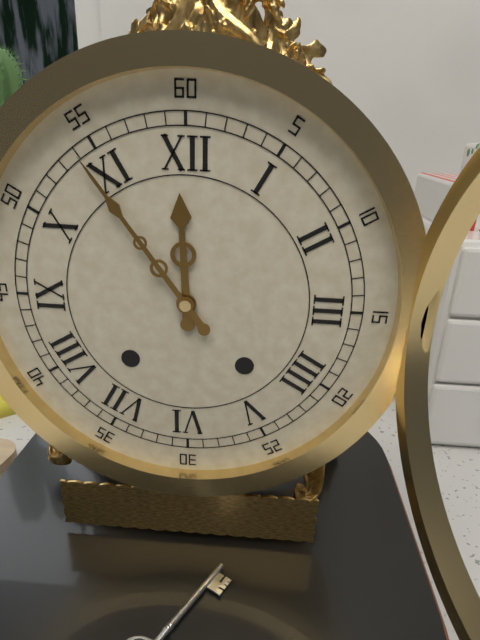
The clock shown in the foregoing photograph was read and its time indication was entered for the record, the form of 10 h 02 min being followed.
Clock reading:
11 h 54 min
